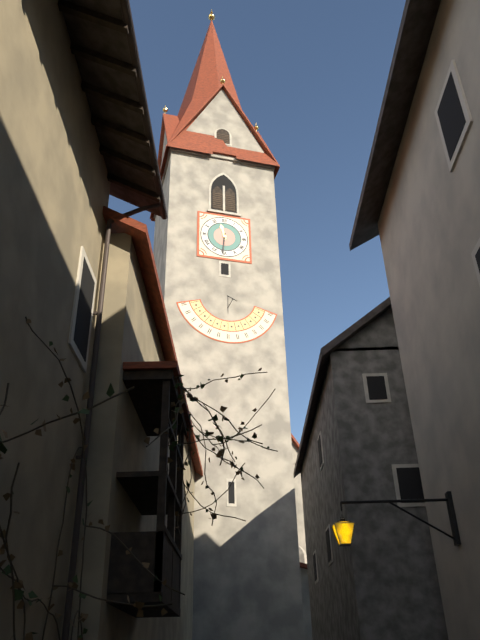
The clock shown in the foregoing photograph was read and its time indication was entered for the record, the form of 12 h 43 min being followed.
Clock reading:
11 h 31 min
